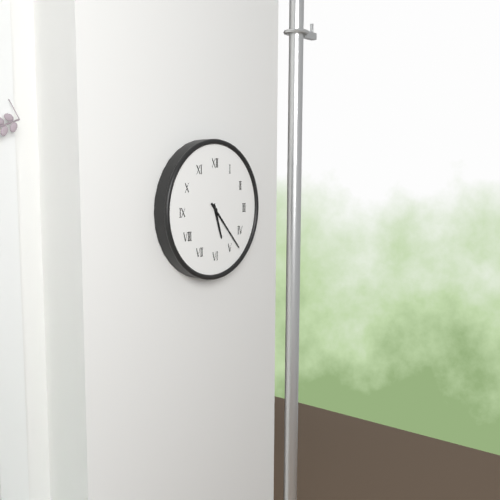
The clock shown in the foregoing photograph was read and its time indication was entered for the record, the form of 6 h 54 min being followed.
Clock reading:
5 h 23 min
